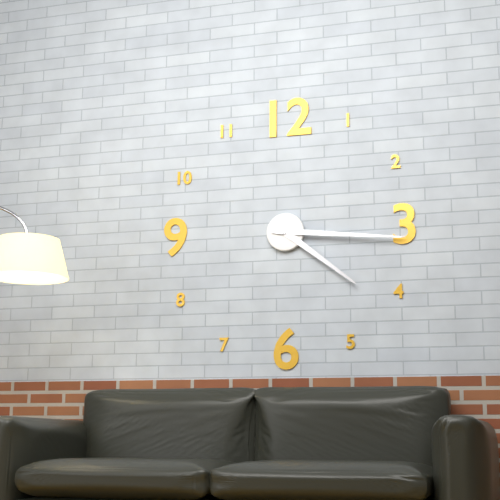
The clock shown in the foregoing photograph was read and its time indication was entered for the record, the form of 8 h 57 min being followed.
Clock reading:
4 h 16 min
